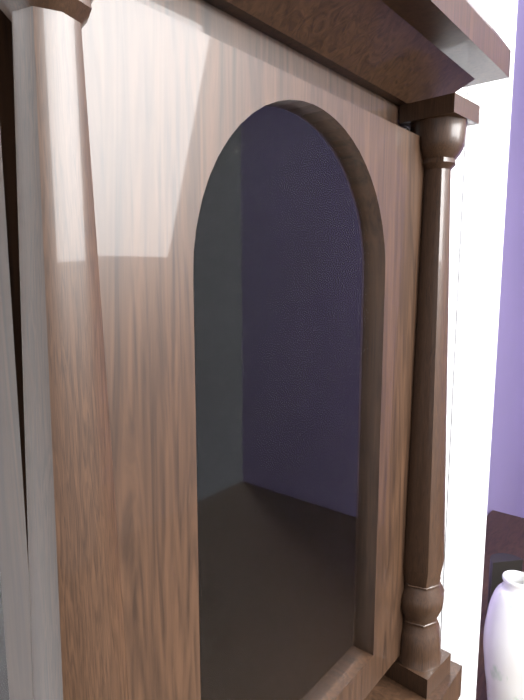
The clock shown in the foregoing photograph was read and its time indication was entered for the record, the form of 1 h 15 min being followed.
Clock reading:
12 h 13 min
